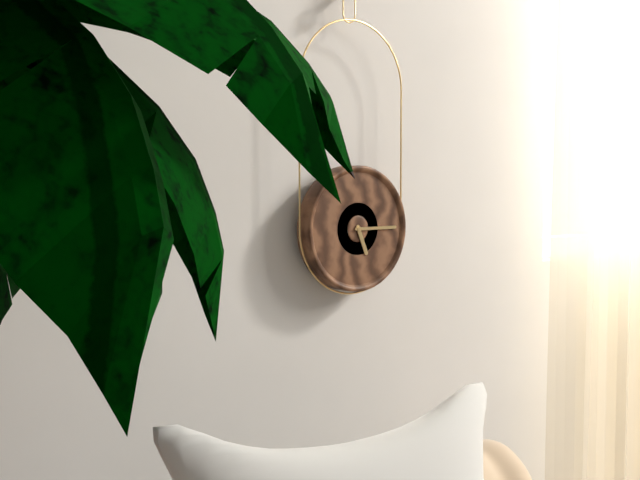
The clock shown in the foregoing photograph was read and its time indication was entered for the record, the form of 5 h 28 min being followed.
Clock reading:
5 h 15 min
